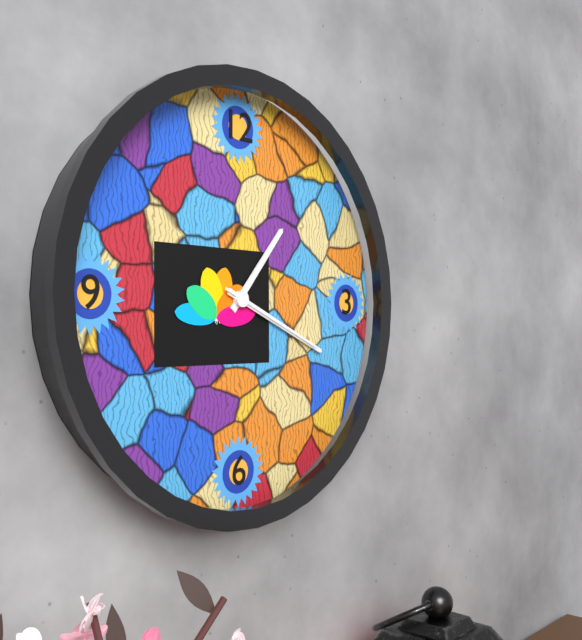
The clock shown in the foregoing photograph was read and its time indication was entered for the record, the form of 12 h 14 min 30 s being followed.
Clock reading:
1 h 19 min 19 s
